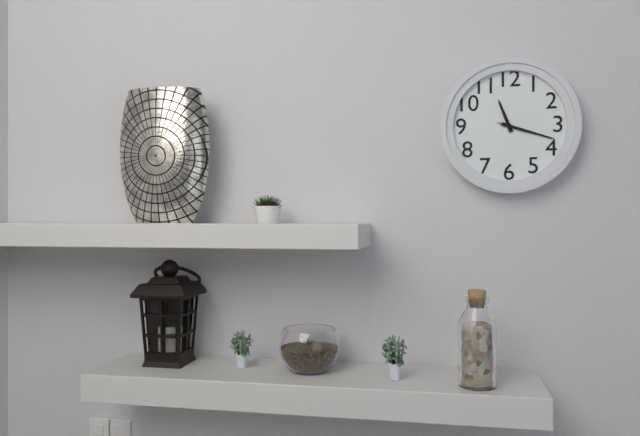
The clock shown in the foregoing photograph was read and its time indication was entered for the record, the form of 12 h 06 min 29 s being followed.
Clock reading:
11 h 18 min 18 s
